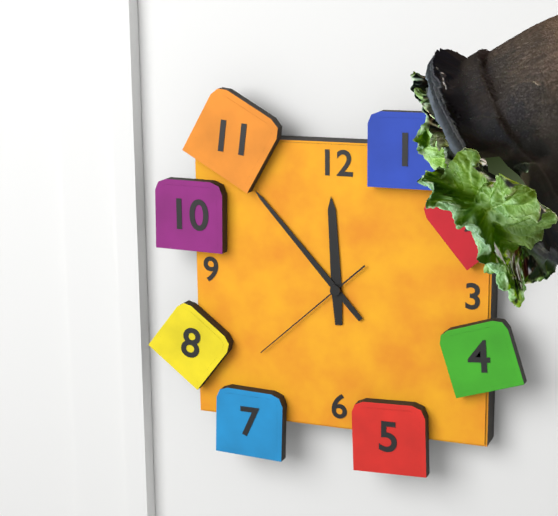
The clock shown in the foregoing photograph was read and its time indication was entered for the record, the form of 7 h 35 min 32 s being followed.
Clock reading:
11 h 53 min 38 s
